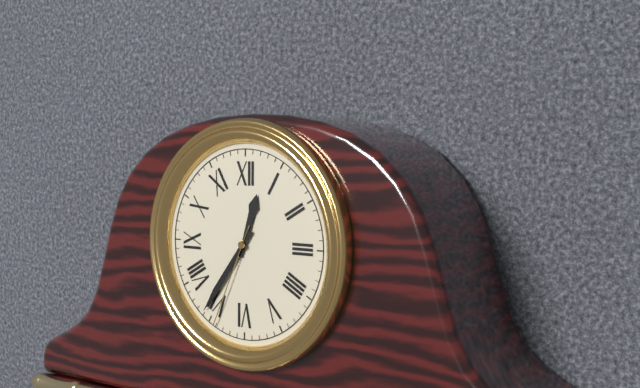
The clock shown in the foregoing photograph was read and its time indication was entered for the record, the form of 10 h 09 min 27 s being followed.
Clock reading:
12 h 36 min 34 s
